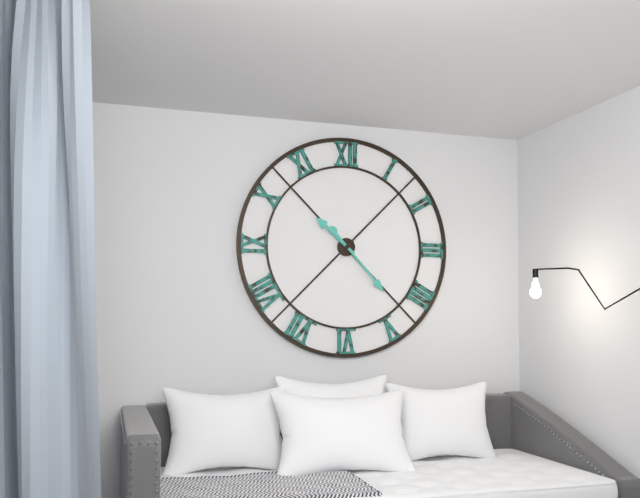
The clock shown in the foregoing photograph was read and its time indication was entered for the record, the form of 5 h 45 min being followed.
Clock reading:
10 h 23 min
